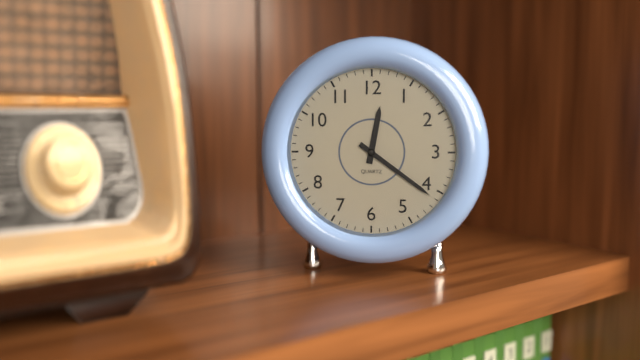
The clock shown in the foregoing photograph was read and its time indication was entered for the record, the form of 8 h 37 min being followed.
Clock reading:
12 h 21 min
